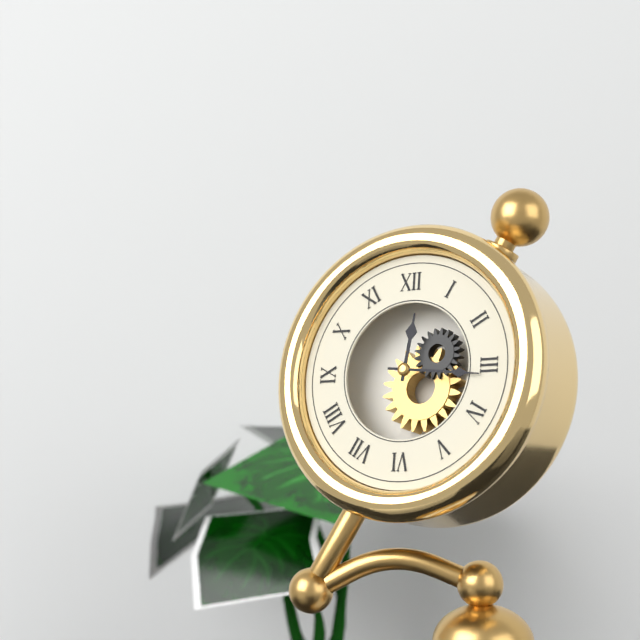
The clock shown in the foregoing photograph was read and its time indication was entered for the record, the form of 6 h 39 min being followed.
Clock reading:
12 h 16 min
